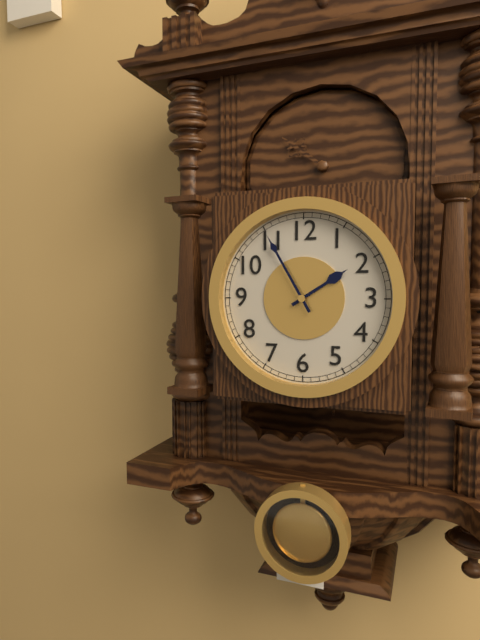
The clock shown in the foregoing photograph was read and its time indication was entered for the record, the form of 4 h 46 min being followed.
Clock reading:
1 h 55 min
